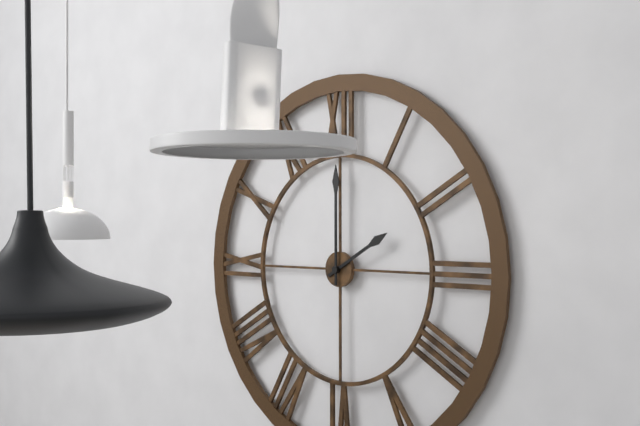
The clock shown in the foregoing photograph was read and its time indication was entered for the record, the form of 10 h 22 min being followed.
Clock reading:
2 h 00 min
